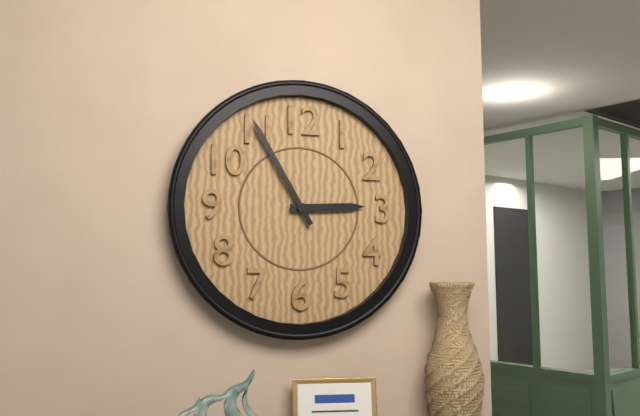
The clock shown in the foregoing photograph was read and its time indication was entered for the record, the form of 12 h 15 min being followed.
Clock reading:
2 h 55 min
